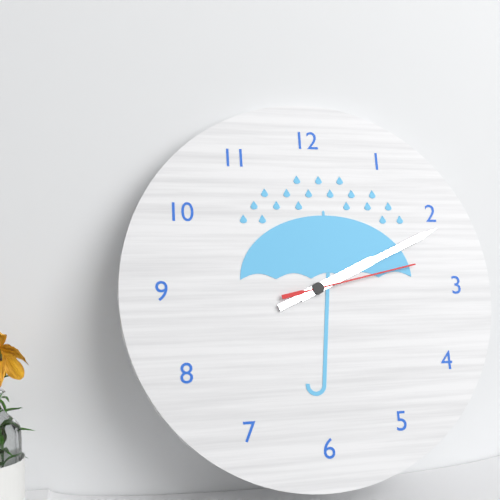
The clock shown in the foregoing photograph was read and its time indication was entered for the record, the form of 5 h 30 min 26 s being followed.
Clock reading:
2 h 11 min 13 s
